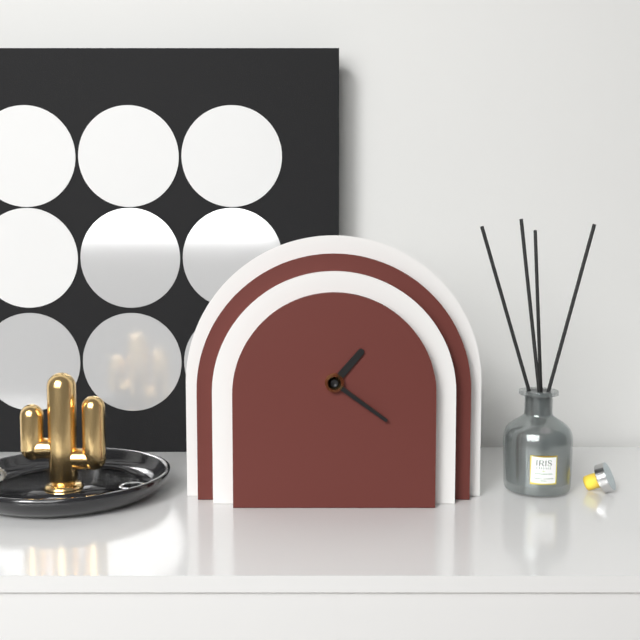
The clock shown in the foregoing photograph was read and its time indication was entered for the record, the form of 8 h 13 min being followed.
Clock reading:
1 h 21 min
